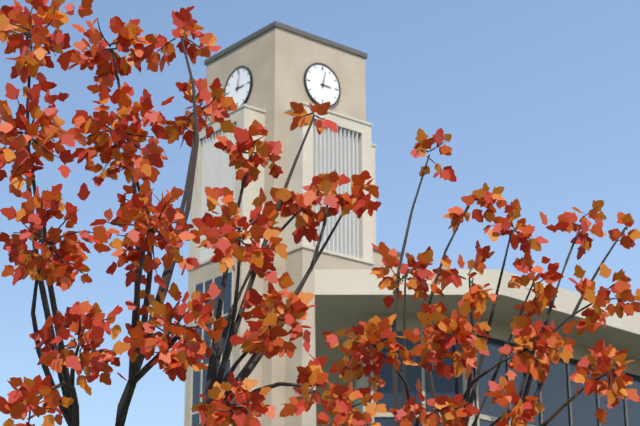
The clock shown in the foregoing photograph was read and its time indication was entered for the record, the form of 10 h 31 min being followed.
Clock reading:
3 h 02 min
